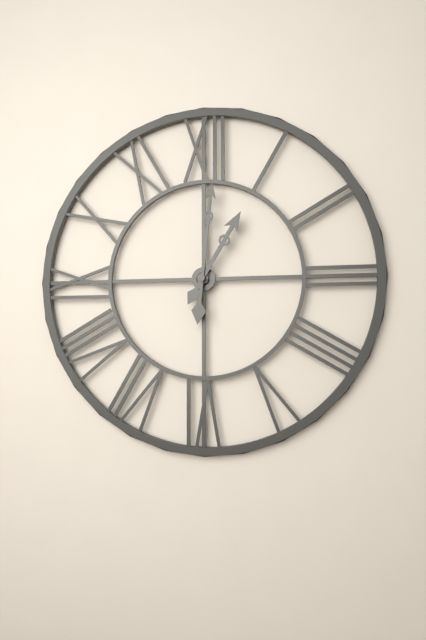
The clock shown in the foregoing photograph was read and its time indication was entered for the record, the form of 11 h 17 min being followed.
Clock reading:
1 h 01 min
